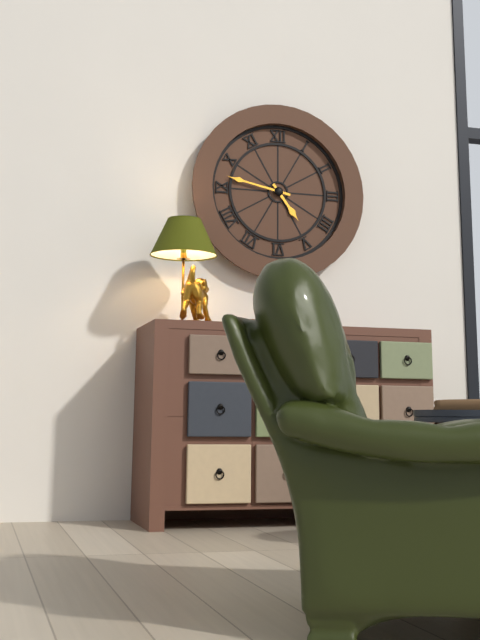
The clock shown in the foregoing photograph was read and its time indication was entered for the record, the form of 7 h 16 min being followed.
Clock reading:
4 h 47 min
